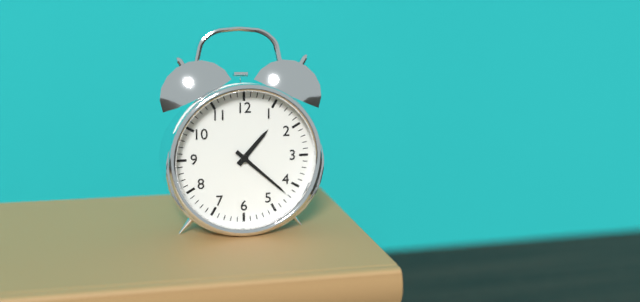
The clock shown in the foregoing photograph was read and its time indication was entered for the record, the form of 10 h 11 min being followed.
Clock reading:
1 h 22 min
